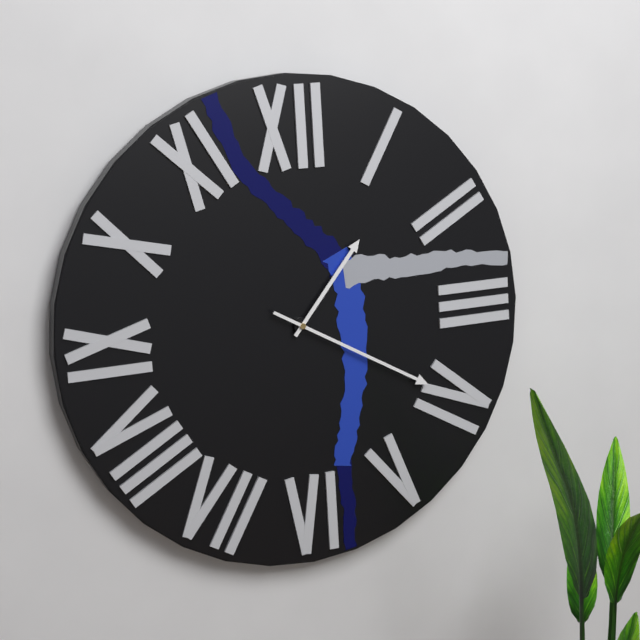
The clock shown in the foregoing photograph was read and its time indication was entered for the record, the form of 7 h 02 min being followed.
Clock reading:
1 h 20 min
